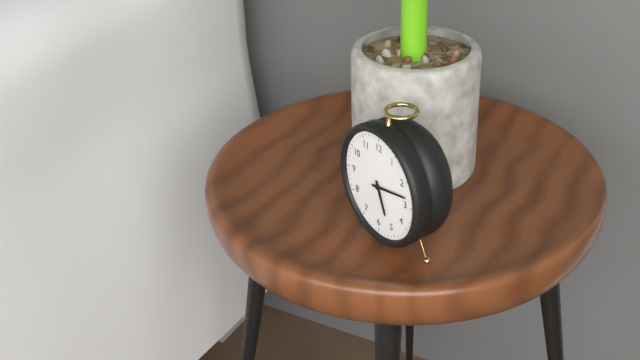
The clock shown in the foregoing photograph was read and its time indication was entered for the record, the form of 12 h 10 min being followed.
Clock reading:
5 h 13 min
